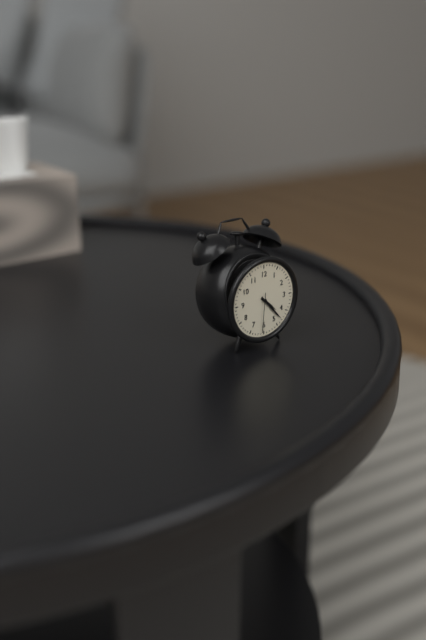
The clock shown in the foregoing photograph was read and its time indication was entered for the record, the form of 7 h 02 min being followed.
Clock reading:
4 h 23 min
